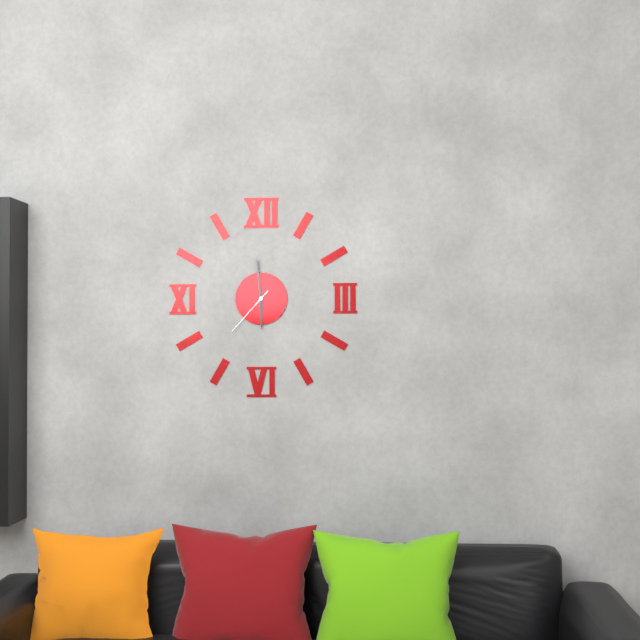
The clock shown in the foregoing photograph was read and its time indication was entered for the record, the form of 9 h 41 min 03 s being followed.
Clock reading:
5 h 59 min 37 s
